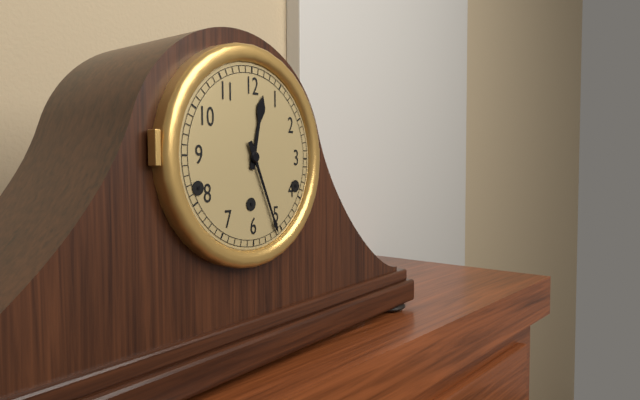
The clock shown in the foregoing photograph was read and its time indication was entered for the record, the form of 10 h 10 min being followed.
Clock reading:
12 h 26 min
